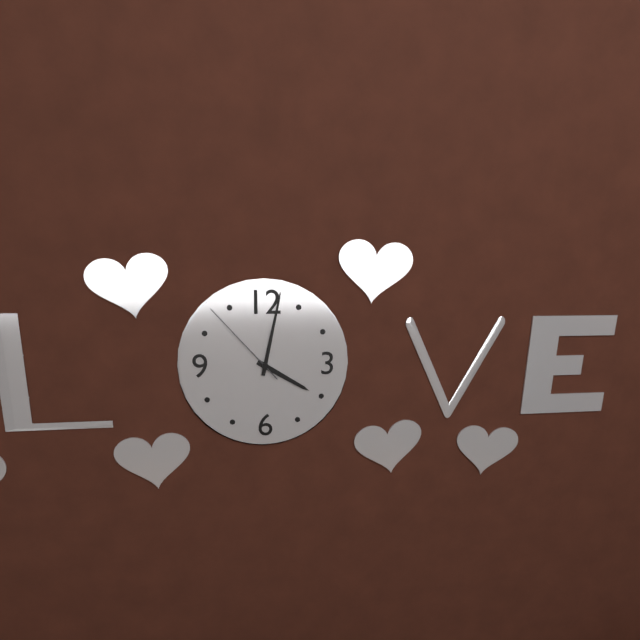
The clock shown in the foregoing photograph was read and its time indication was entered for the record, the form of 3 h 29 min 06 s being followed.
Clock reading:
4 h 02 min 53 s
